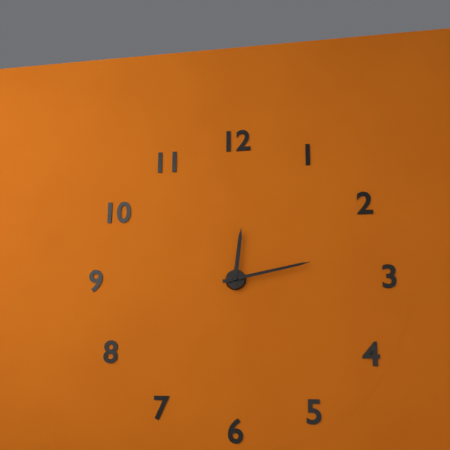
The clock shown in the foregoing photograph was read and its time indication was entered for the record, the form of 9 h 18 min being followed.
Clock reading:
12 h 13 min
